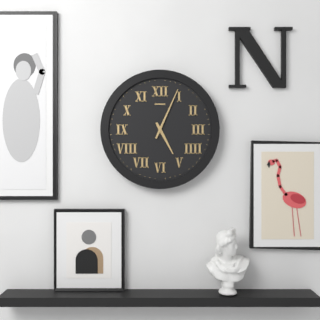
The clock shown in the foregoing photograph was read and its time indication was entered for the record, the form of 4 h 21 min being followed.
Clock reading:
5 h 04 min
